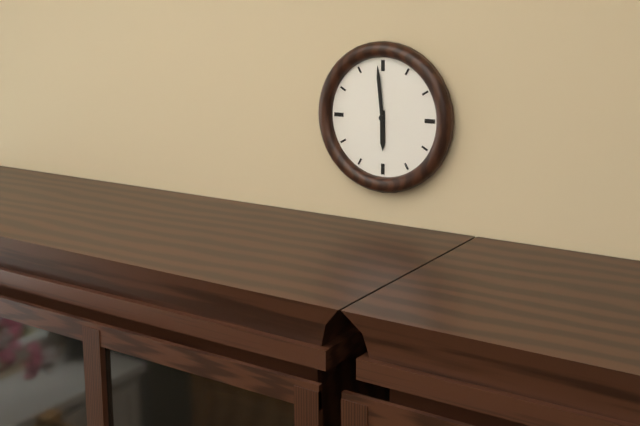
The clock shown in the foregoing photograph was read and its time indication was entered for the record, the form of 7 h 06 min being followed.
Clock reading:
5 h 59 min
